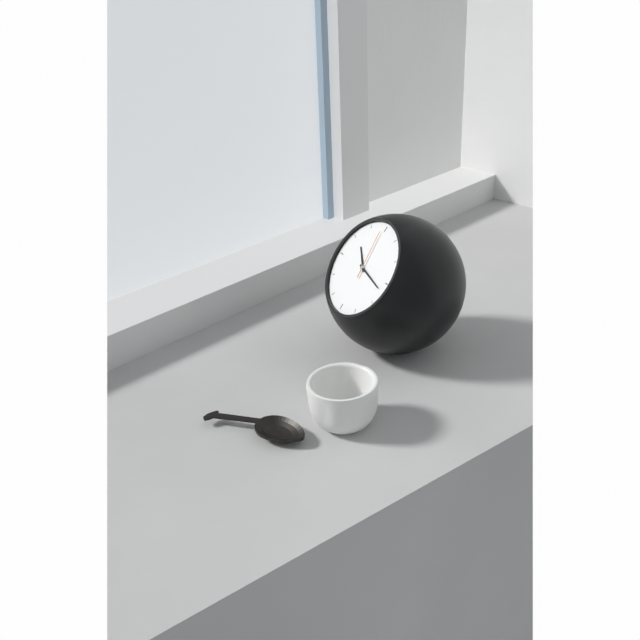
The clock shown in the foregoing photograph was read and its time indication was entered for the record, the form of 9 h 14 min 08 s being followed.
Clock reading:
10 h 17 min 59 s
